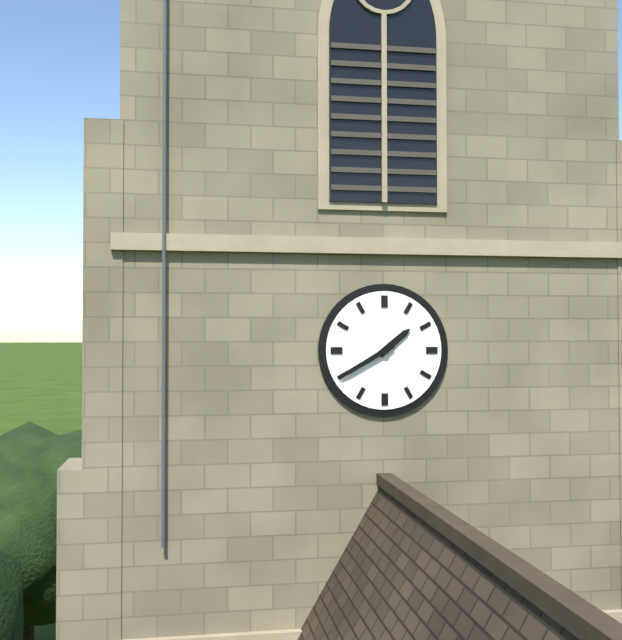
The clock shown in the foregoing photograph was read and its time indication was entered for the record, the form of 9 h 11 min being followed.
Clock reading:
1 h 40 min
